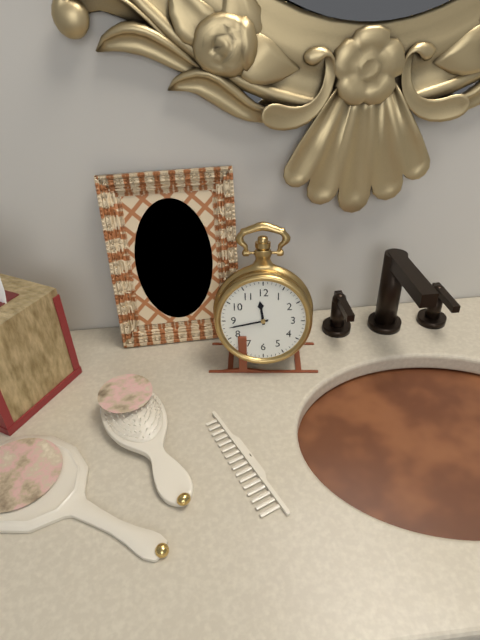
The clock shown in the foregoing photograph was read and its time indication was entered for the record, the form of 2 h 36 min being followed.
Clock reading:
11 h 43 min
